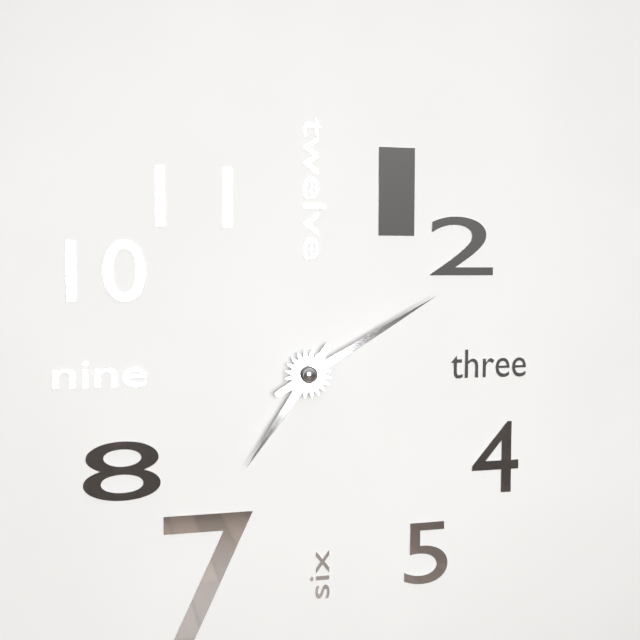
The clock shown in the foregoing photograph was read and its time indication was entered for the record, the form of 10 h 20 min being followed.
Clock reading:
7 h 10 min
